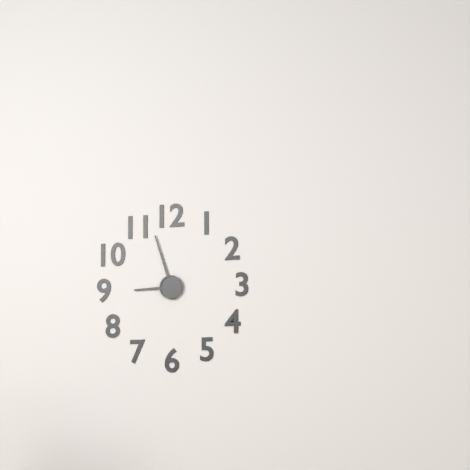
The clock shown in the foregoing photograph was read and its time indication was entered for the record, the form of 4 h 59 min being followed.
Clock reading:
8 h 57 min
